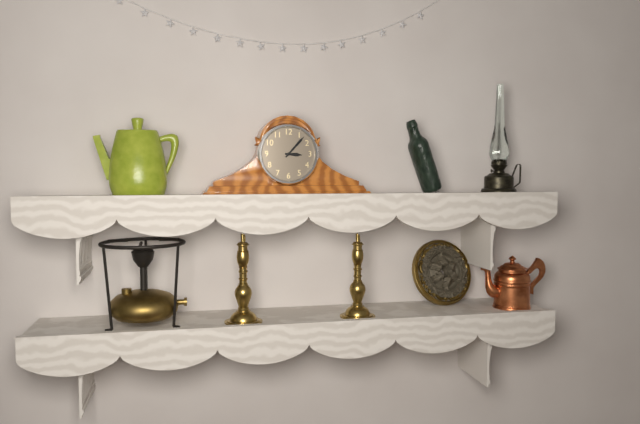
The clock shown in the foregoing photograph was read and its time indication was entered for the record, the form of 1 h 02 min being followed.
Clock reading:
3 h 07 min
